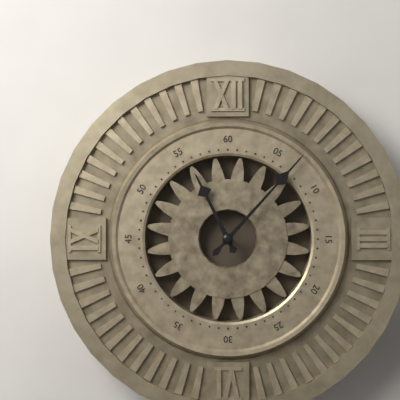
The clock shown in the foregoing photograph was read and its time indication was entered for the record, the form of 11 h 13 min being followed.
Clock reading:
11 h 07 min
